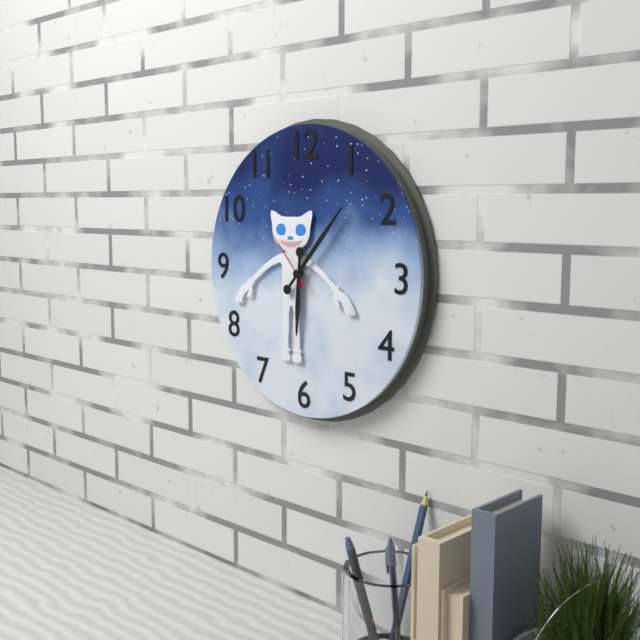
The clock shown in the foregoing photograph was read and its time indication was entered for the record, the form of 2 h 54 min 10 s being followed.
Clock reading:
6 h 07 min 53 s
